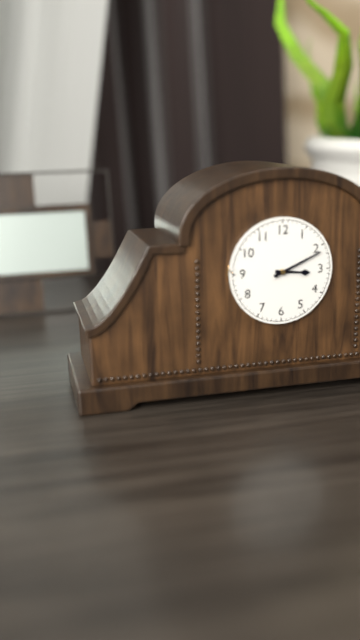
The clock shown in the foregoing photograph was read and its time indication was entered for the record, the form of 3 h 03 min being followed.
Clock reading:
3 h 11 min
